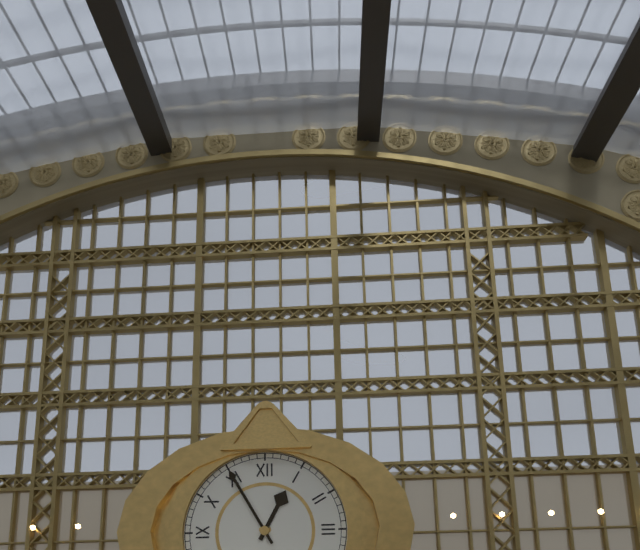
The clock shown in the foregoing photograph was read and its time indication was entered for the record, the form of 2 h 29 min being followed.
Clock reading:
12 h 55 min
